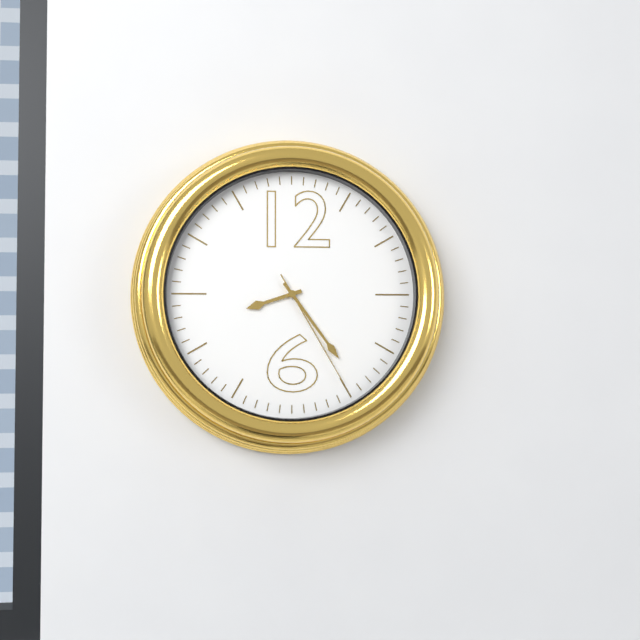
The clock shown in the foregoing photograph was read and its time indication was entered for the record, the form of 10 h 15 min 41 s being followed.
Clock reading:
8 h 24 min 25 s
